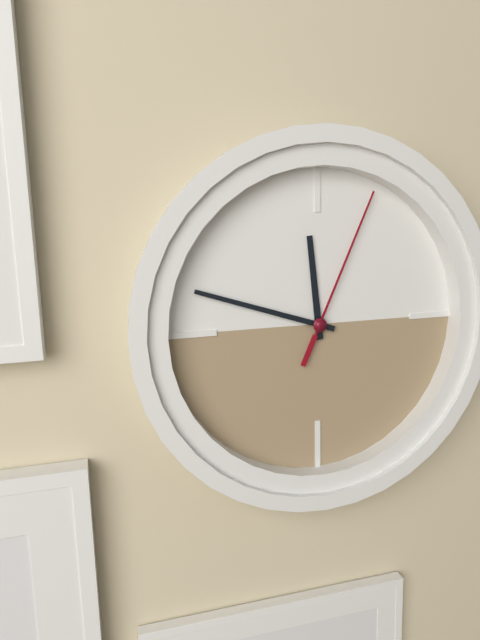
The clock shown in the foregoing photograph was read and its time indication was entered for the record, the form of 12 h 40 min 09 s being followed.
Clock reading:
11 h 48 min 04 s
